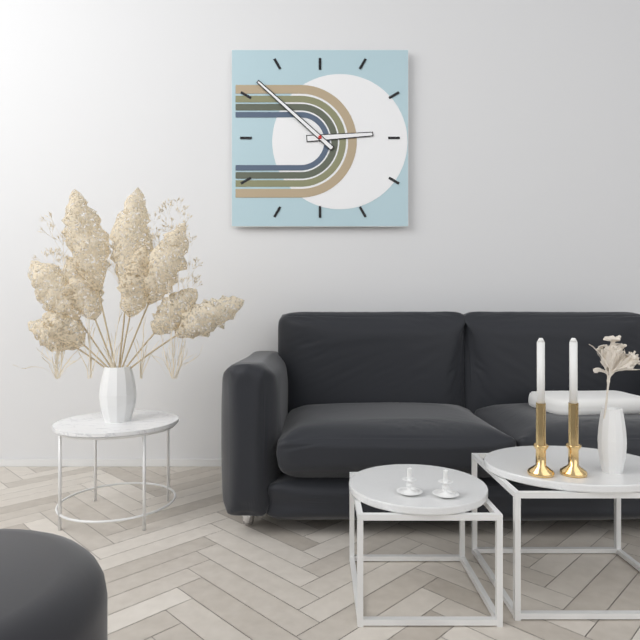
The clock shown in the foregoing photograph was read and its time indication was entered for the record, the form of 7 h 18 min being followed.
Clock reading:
2 h 52 min
